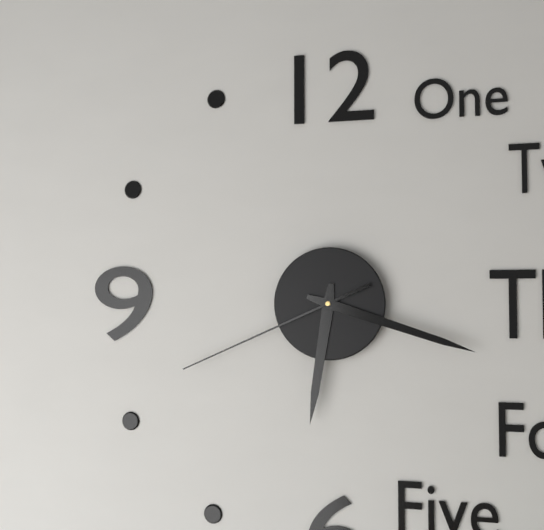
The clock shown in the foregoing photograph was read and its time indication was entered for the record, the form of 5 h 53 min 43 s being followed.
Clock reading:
6 h 18 min 41 s
